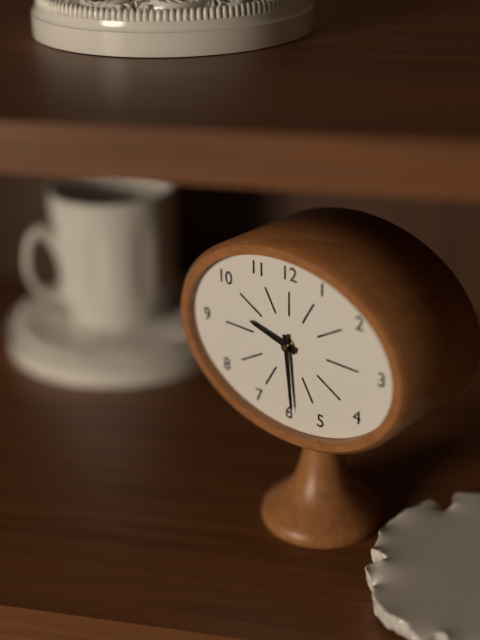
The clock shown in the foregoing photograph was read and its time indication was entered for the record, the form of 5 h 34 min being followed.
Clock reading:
9 h 29 min
